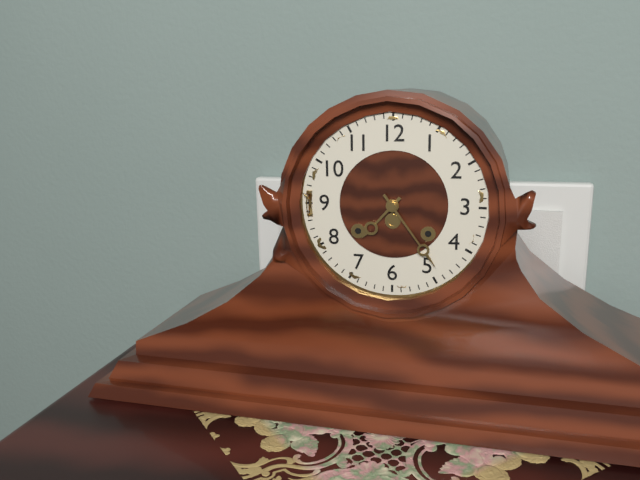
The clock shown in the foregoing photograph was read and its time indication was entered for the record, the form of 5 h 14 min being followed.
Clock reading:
7 h 24 min
